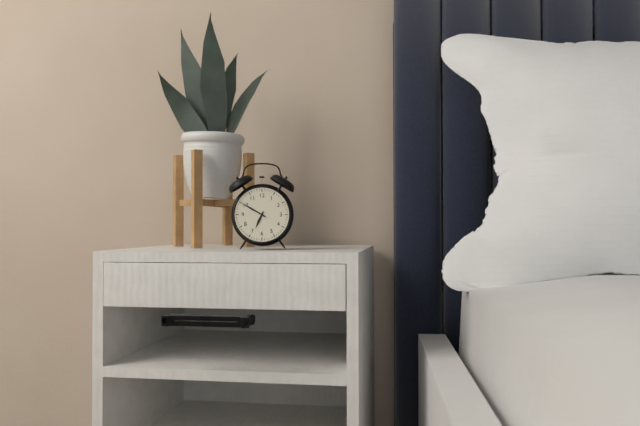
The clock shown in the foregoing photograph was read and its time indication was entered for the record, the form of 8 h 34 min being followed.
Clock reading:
6 h 50 min
